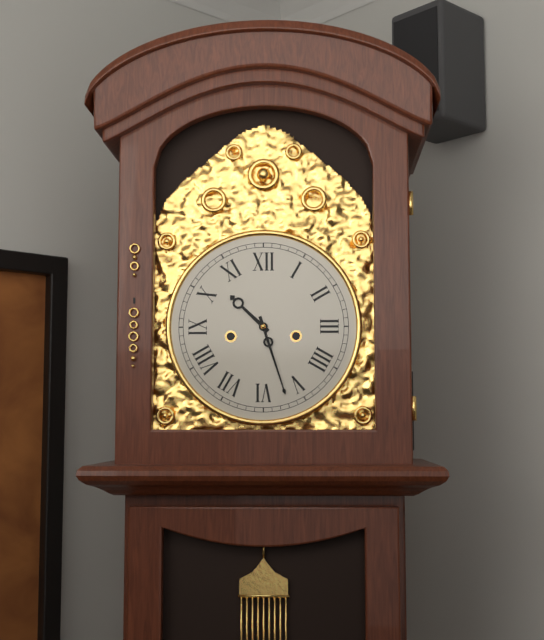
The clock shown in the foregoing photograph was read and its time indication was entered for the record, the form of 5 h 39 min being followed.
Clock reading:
10 h 27 min
